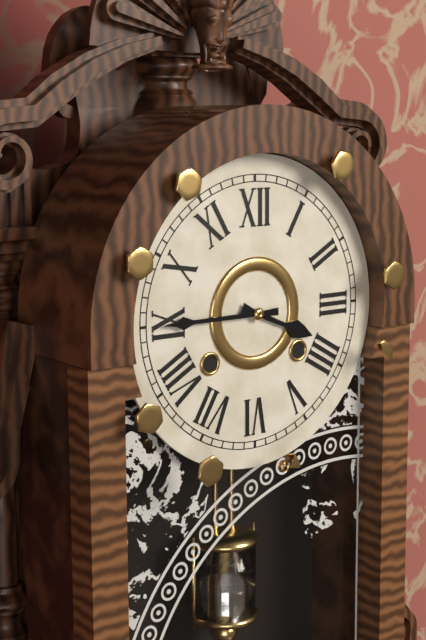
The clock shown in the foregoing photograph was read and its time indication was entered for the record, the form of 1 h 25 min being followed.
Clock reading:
3 h 45 min
